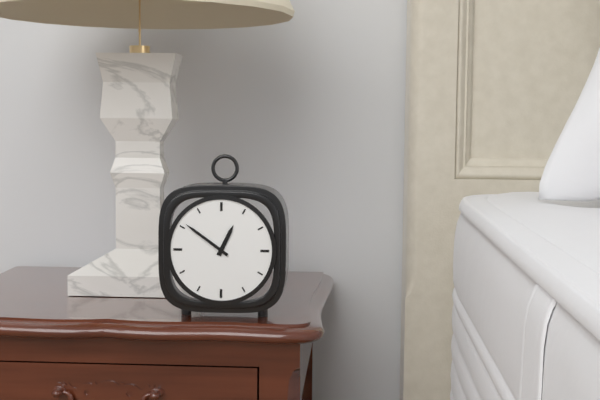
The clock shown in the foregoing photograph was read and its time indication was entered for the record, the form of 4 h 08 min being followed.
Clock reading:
12 h 51 min
